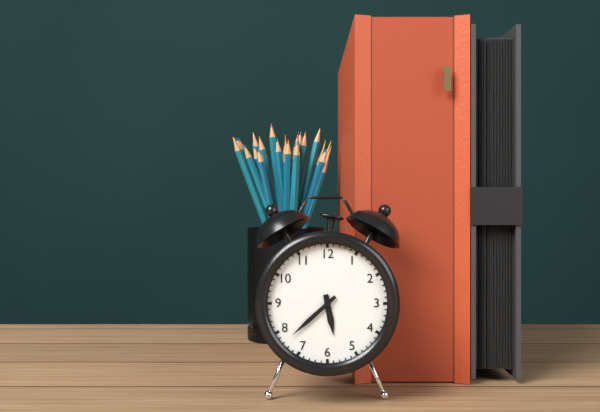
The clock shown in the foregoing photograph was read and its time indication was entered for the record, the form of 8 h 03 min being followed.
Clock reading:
5 h 38 min
